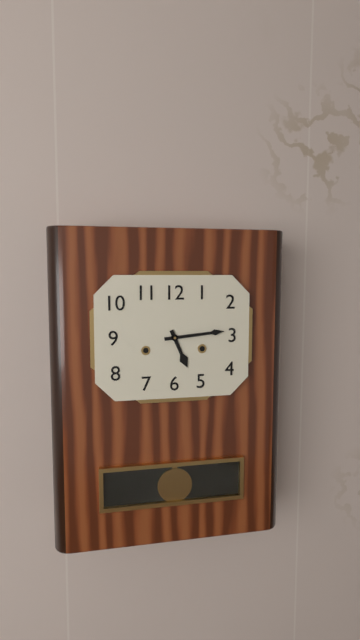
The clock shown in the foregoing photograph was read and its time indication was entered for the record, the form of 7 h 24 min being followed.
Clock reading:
5 h 14 min
